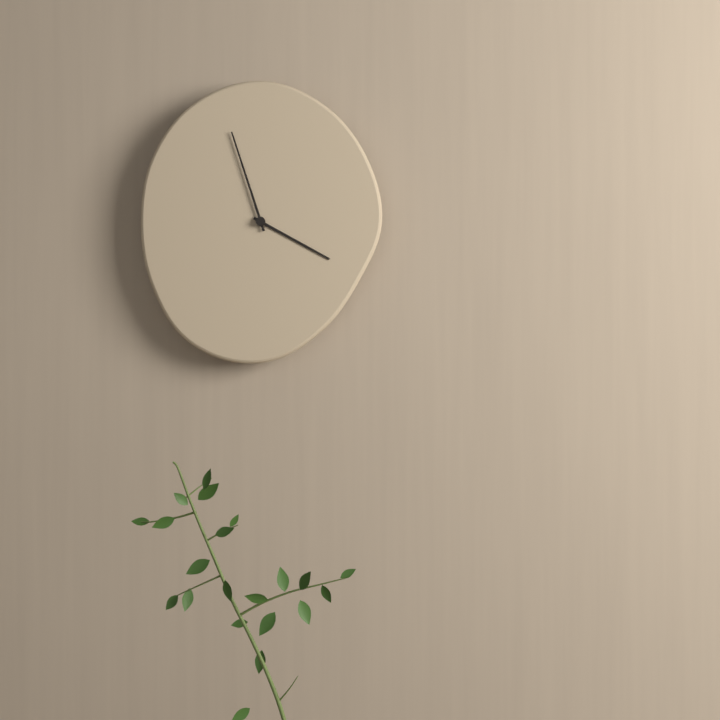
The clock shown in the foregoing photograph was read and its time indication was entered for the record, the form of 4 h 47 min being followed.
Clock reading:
3 h 57 min
